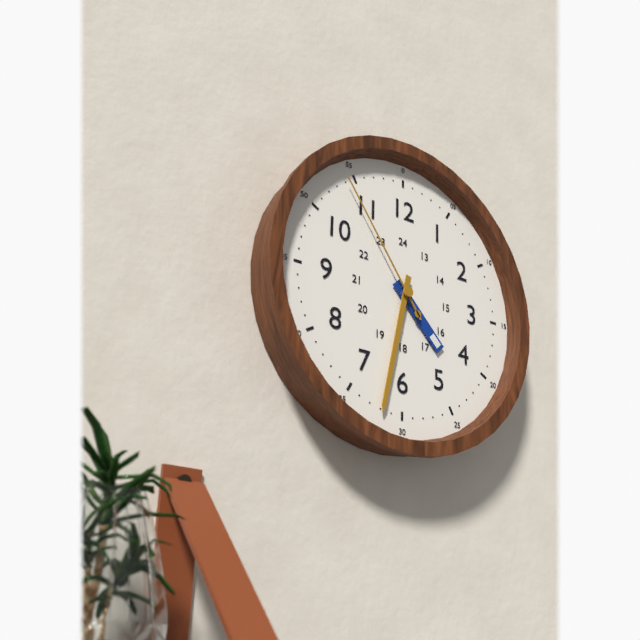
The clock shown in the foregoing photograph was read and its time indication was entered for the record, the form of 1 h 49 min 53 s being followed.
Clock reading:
4 h 32 min 54 s
